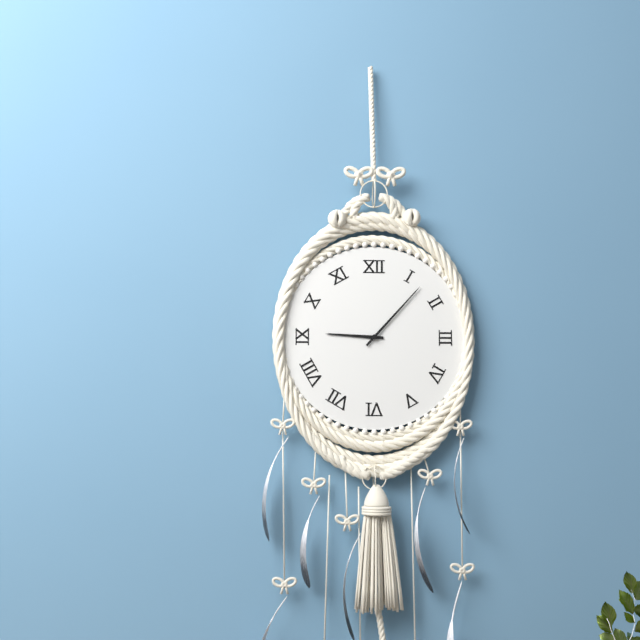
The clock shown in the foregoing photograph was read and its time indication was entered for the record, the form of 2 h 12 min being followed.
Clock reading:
9 h 07 min
